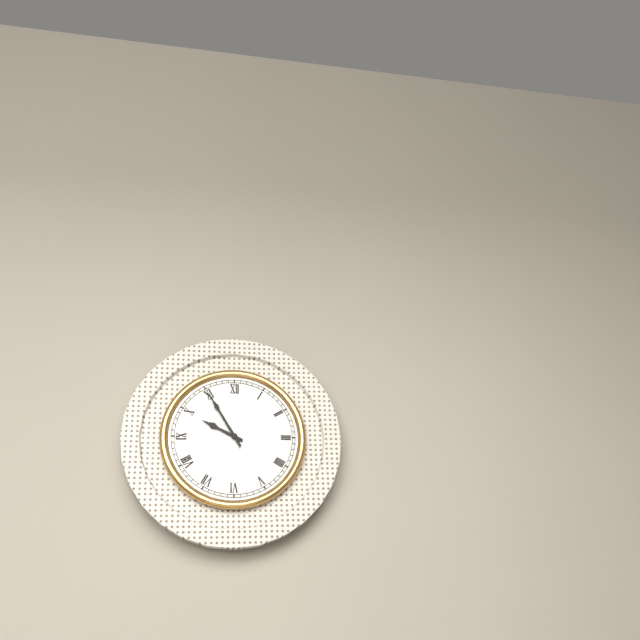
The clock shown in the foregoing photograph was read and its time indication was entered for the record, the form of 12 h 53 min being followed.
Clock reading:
9 h 55 min
